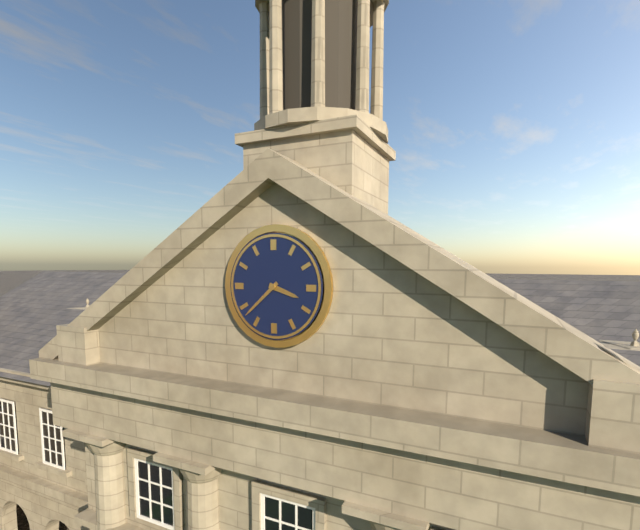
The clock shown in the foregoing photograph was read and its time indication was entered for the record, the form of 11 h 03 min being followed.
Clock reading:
3 h 38 min
